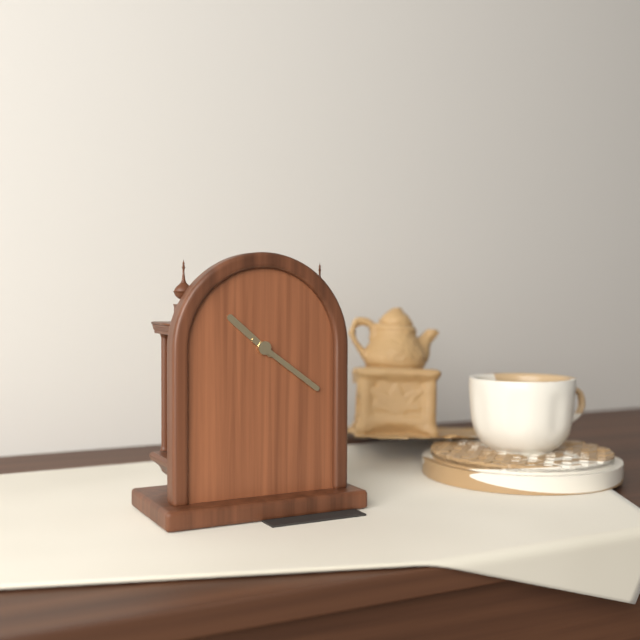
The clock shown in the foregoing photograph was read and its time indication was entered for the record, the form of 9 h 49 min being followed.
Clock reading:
10 h 21 min
